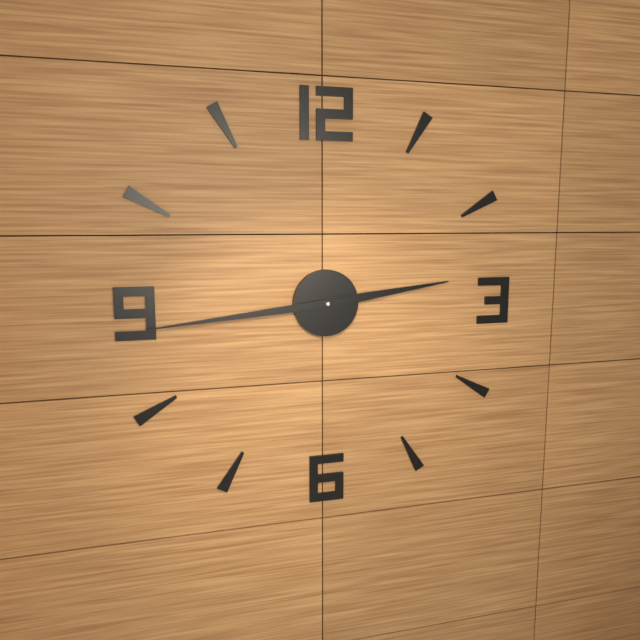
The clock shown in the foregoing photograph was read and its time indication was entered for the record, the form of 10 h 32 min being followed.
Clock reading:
2 h 44 min
